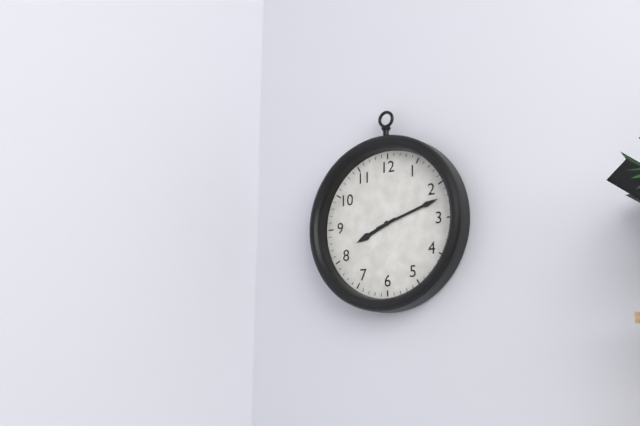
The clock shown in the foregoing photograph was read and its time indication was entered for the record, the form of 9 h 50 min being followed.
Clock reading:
8 h 12 min
